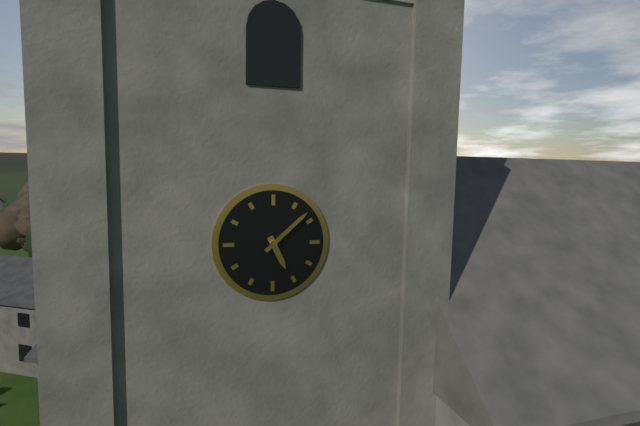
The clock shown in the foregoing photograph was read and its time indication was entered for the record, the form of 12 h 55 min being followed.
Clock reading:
5 h 08 min
